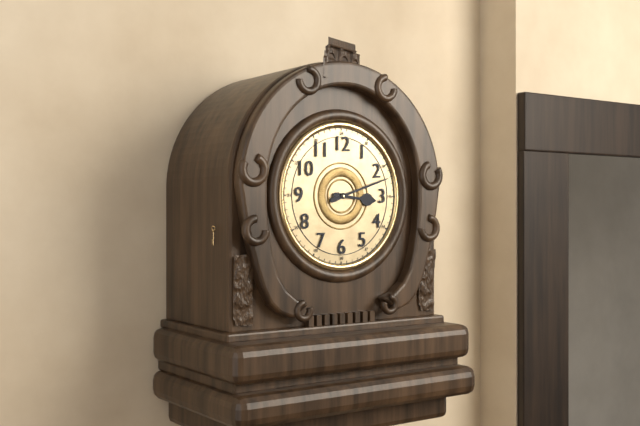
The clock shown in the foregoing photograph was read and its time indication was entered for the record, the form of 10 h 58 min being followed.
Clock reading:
3 h 12 min
